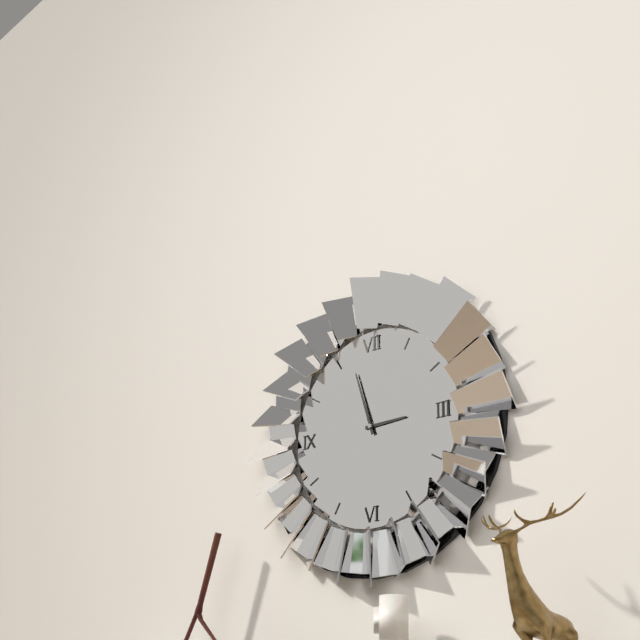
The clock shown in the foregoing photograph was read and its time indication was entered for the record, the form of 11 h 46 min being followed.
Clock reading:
2 h 57 min
